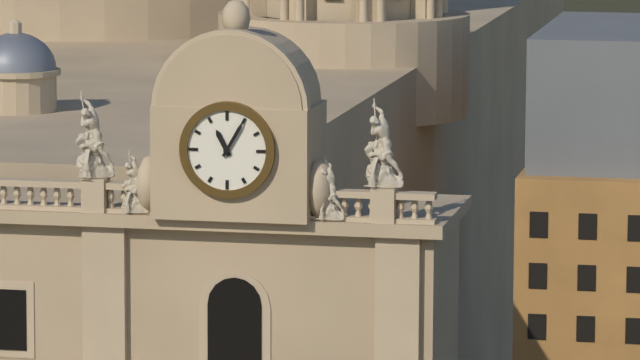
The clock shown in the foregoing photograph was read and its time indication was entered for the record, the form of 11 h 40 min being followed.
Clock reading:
11 h 05 min
